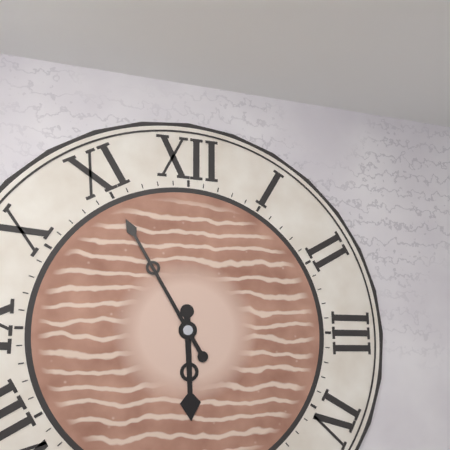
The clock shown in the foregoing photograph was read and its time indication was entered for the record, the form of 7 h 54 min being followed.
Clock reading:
5 h 55 min
